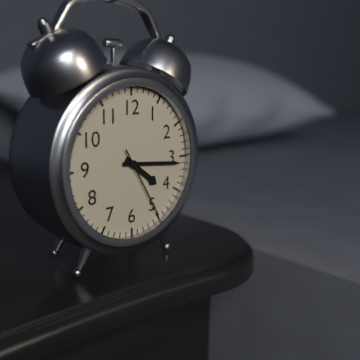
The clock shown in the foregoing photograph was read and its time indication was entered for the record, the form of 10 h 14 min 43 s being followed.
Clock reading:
4 h 16 min 25 s
